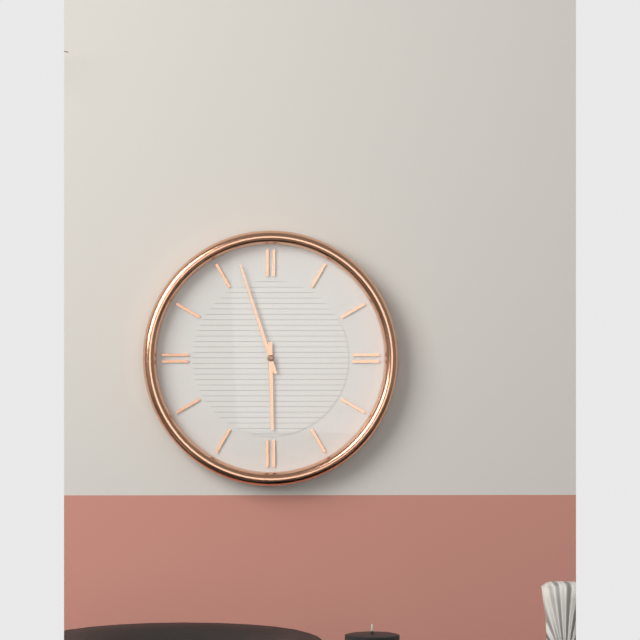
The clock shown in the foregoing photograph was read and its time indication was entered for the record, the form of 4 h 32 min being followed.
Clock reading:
5 h 57 min
